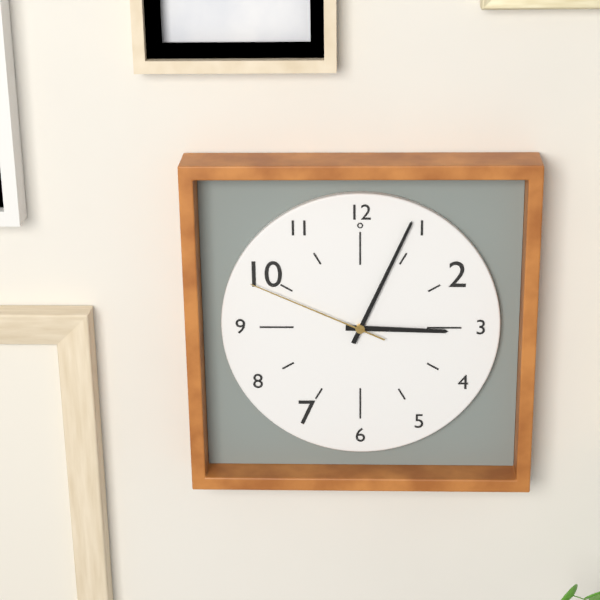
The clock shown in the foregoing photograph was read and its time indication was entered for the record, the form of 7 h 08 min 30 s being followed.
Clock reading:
3 h 04 min 49 s
